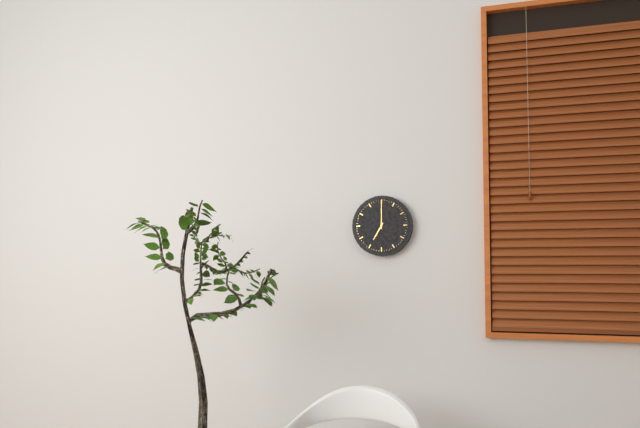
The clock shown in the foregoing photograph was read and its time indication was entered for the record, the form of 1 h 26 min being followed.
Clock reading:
7 h 00 min
